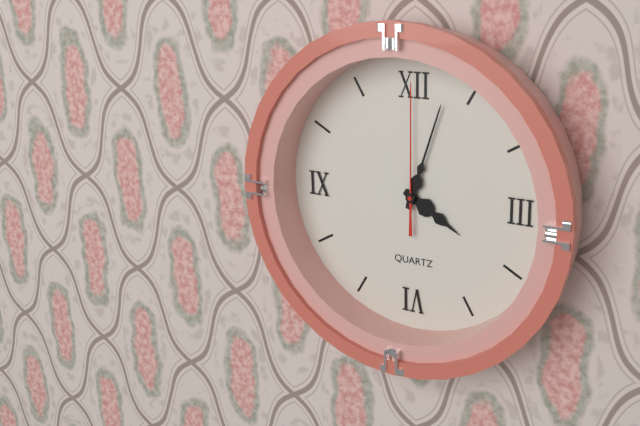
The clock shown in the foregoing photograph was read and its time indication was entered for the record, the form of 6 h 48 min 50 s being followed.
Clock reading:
4 h 03 min 00 s
